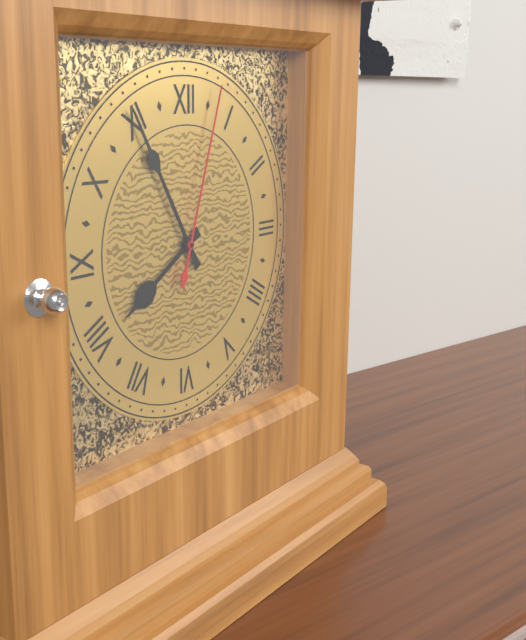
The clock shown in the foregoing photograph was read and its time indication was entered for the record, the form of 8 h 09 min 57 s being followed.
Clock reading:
7 h 55 min 03 s
